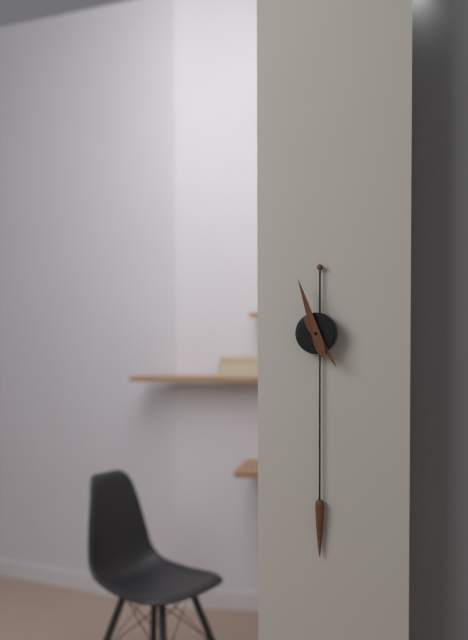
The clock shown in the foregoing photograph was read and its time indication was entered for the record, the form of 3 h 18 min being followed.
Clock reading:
4 h 57 min
